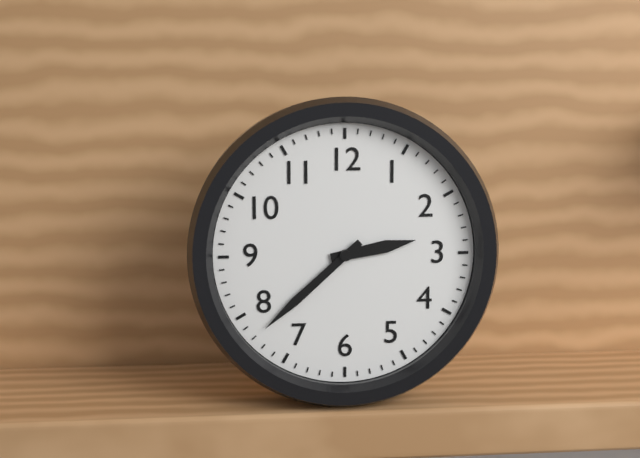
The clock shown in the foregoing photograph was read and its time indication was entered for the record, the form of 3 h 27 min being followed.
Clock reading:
2 h 38 min
